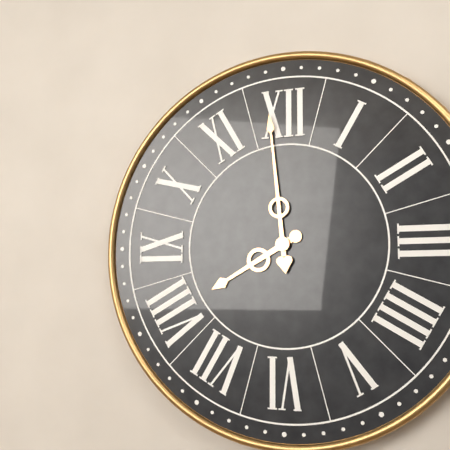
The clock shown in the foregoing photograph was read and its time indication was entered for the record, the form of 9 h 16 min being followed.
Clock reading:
7 h 59 min
